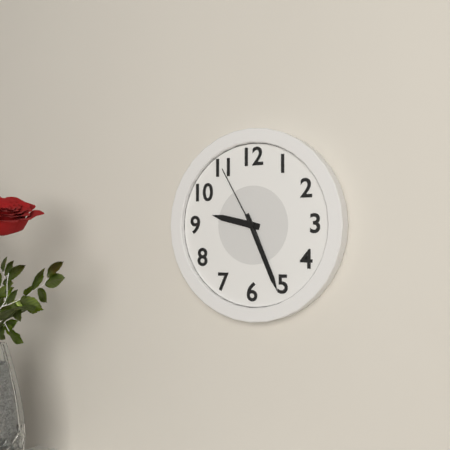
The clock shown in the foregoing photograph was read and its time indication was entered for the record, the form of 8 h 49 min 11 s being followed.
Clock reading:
9 h 26 min 55 s
